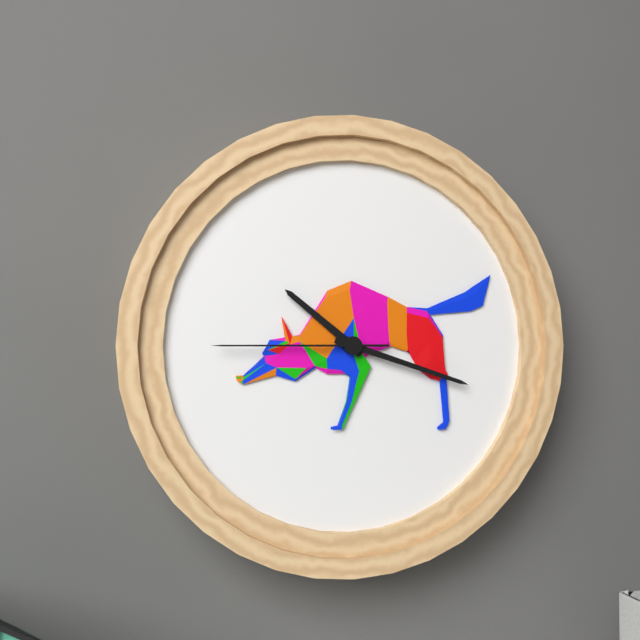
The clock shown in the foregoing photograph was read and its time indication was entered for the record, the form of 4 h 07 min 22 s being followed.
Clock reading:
10 h 18 min 45 s
